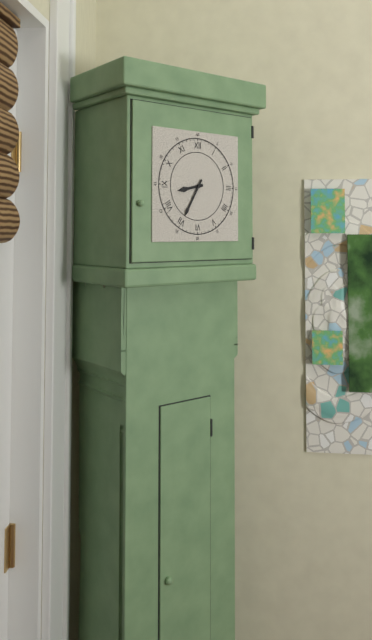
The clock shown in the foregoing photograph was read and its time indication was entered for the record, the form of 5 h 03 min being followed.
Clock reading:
8 h 35 min
